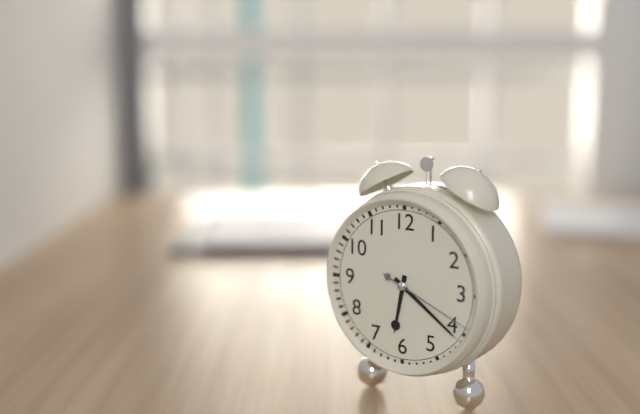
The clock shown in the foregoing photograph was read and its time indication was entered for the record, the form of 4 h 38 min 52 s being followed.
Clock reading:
6 h 21 min 19 s
